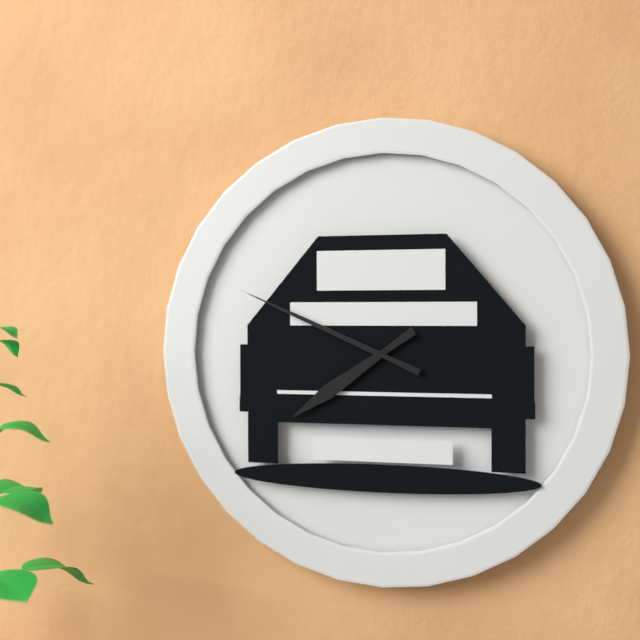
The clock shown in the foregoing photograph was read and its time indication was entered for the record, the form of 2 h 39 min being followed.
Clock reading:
7 h 49 min
